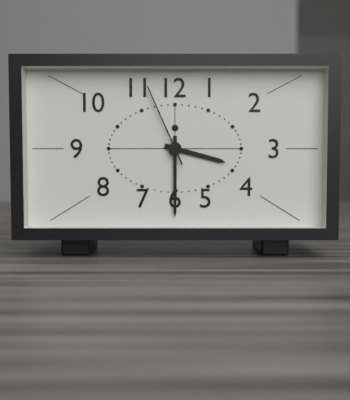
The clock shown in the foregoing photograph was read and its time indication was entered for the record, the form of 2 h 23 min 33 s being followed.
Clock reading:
3 h 30 min 56 s
